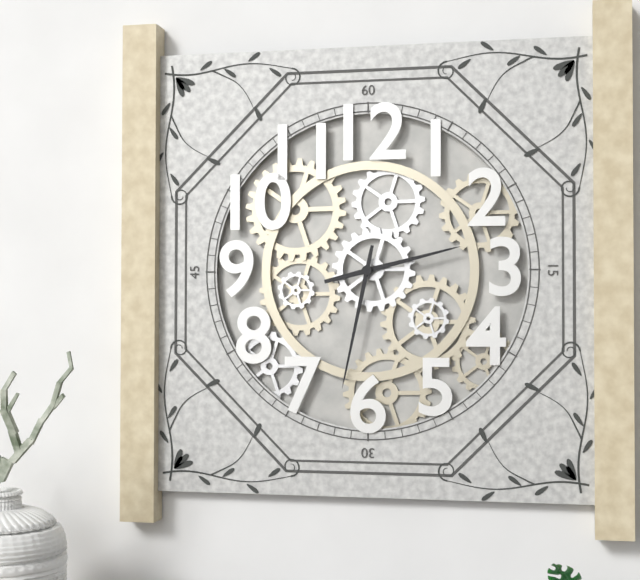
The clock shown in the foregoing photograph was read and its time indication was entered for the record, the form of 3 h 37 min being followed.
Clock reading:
2 h 32 min
